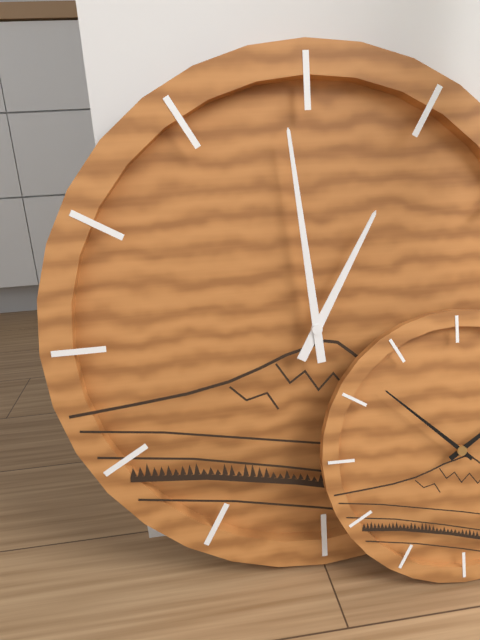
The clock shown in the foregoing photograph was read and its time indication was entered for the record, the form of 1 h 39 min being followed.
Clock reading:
12 h 59 min
